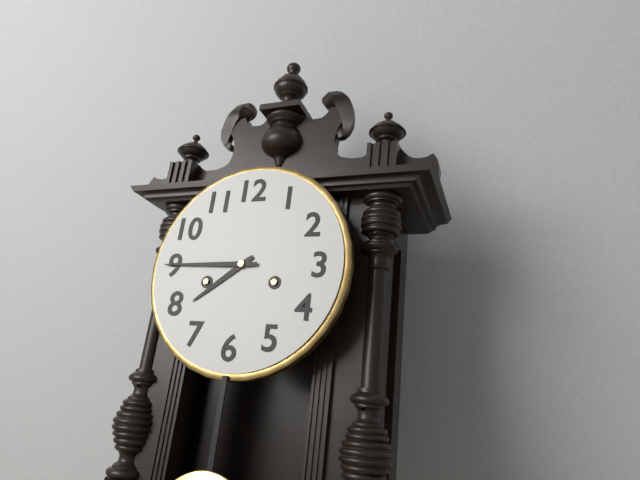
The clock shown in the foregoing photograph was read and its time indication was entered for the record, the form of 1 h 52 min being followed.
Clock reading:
7 h 45 min
